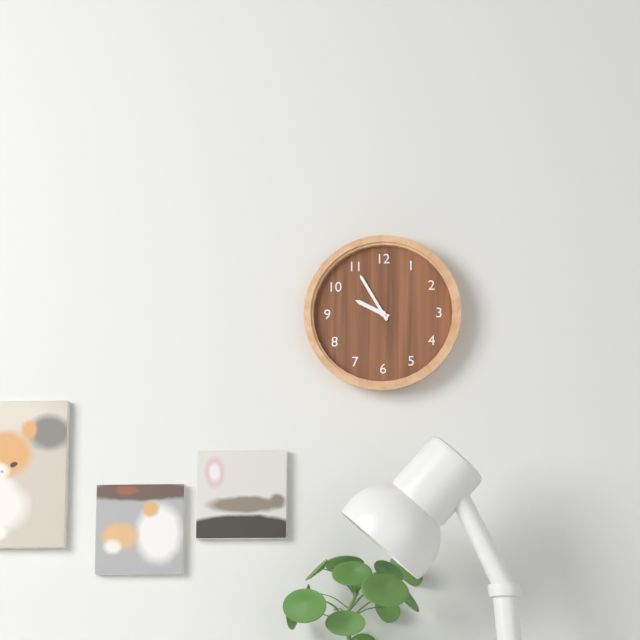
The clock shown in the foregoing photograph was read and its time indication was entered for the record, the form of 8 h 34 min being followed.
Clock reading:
9 h 55 min
